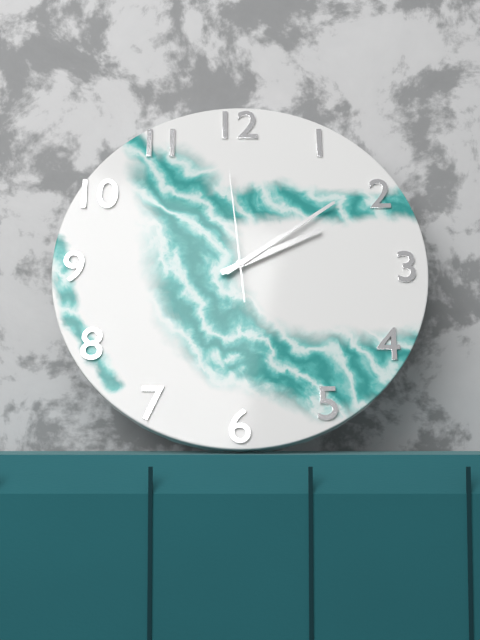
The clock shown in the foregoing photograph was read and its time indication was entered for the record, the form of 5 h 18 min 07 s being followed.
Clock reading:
2 h 09 min 59 s
